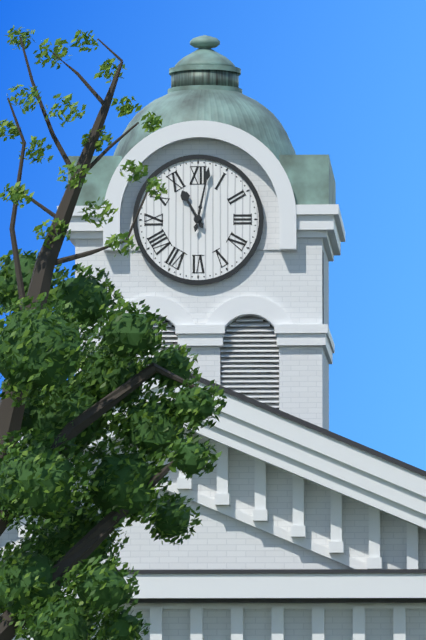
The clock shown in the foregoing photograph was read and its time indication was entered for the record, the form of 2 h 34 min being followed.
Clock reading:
11 h 02 min
